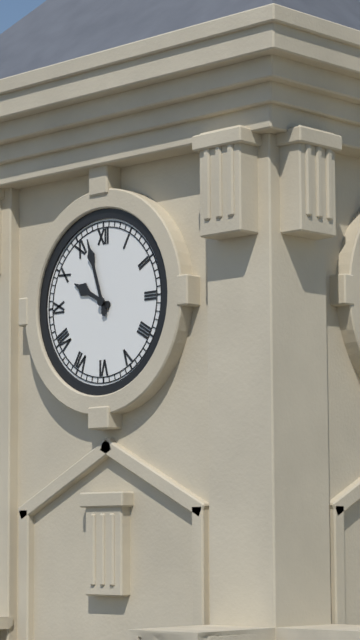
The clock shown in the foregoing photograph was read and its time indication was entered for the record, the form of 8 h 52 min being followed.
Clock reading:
9 h 57 min
